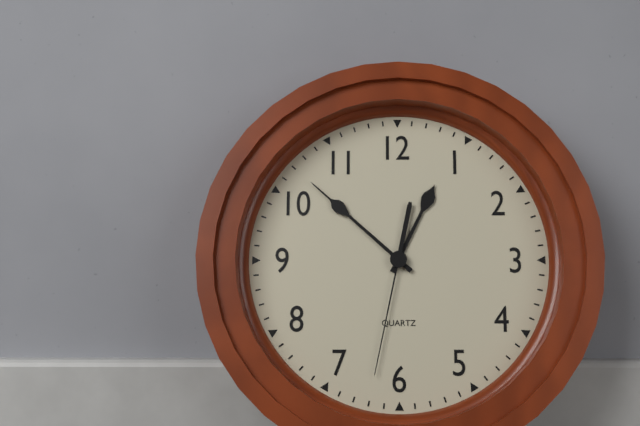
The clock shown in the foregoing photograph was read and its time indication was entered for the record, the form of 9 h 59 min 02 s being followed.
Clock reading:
12 h 52 min 32 s
